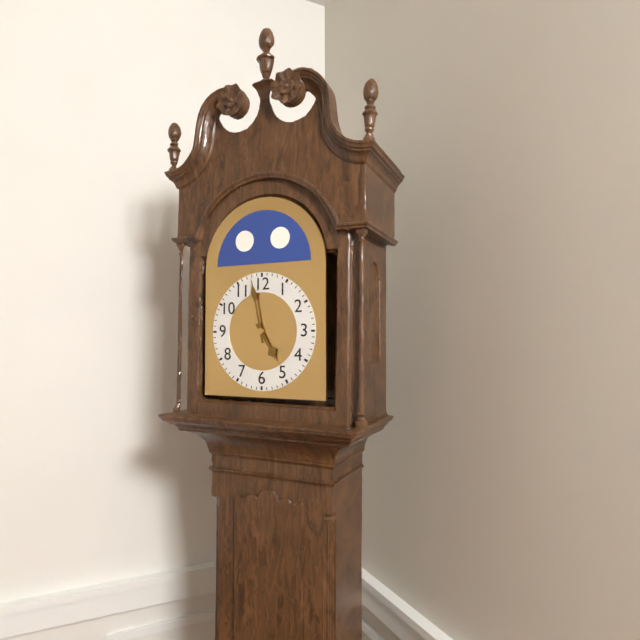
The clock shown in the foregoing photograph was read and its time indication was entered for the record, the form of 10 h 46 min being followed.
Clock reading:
4 h 58 min
